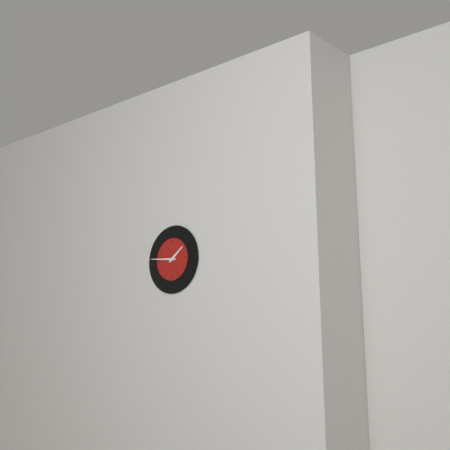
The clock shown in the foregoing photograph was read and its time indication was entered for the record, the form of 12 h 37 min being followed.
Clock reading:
1 h 46 min
